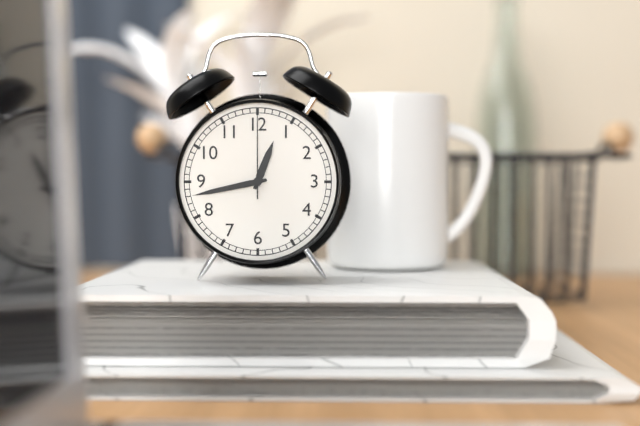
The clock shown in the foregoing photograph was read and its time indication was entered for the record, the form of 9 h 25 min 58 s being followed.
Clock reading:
12 h 43 min 00 s
